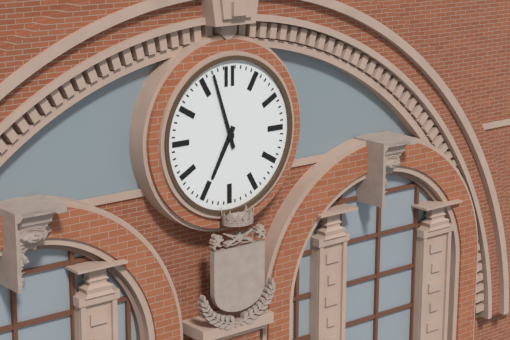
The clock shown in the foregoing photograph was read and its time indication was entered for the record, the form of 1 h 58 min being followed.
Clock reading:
6 h 57 min
